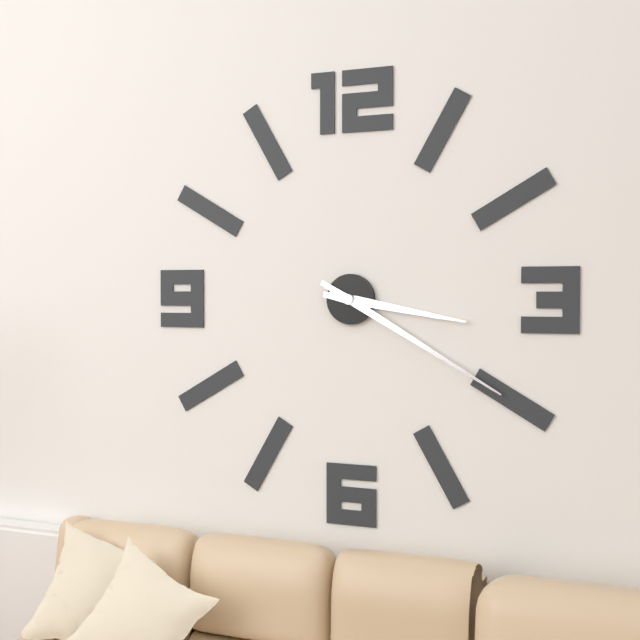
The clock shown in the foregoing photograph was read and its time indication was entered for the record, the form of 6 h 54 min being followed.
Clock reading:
3 h 20 min
